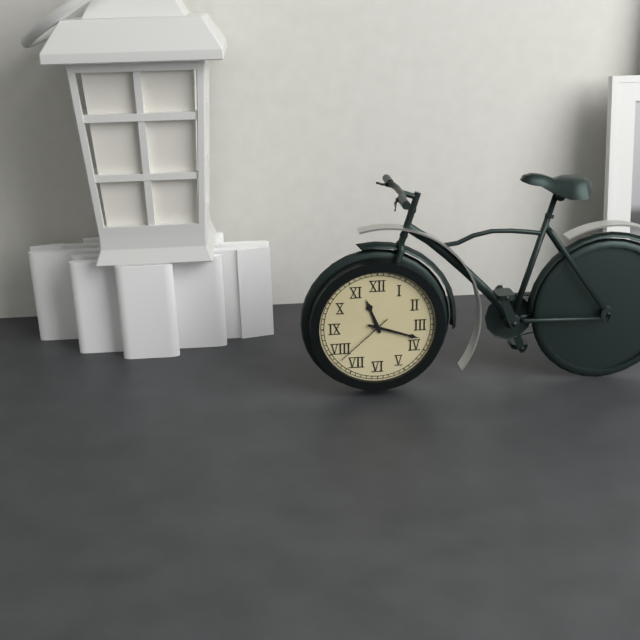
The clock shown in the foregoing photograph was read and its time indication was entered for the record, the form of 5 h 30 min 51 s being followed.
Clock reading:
11 h 18 min 38 s
